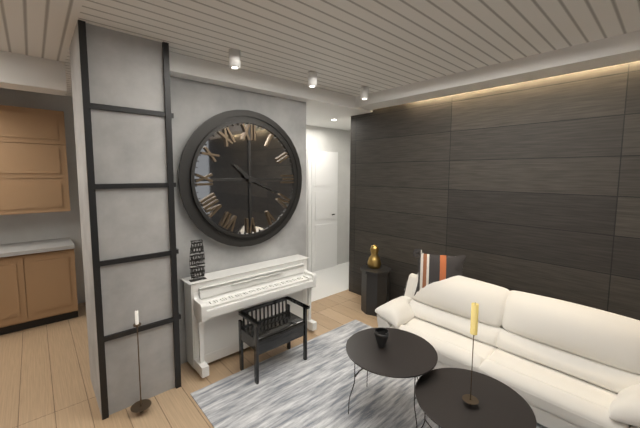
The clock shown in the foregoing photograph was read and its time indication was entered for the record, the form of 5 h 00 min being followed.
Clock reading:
10 h 19 min
